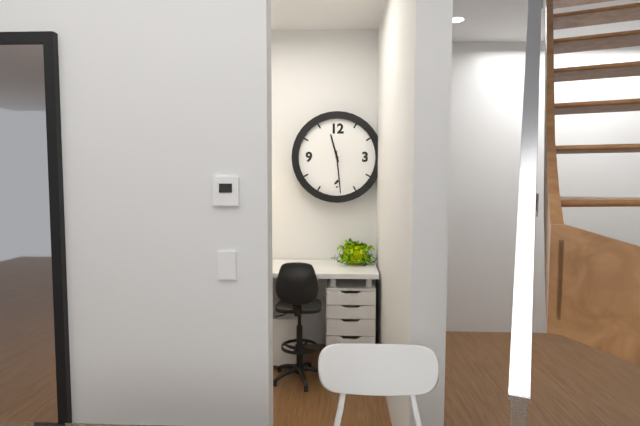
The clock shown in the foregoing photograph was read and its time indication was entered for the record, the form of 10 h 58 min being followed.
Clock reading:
11 h 29 min
